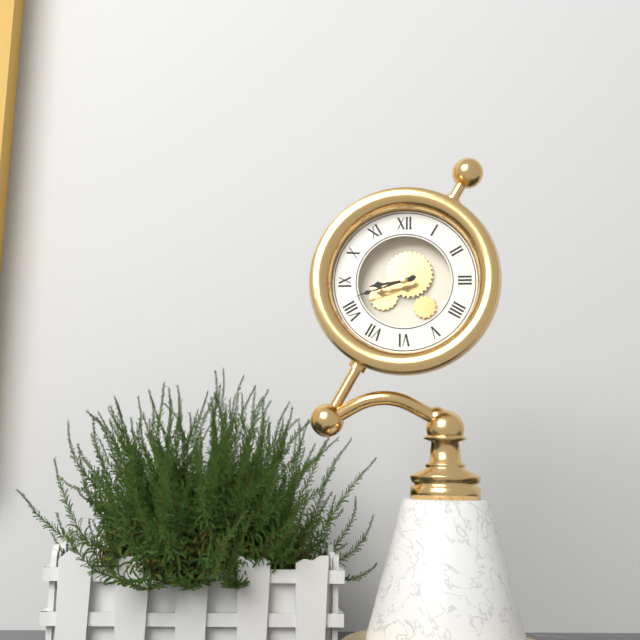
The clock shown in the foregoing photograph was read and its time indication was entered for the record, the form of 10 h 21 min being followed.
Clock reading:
8 h 42 min
